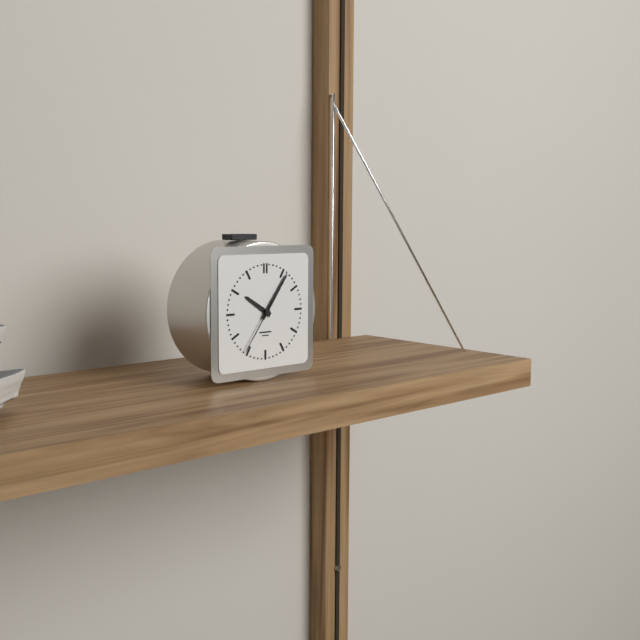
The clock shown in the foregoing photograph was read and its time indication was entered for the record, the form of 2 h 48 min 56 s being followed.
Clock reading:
10 h 06 min 36 s
